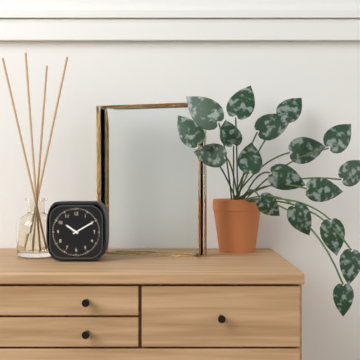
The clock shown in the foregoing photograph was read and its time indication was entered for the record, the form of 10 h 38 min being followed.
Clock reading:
10 h 10 min
